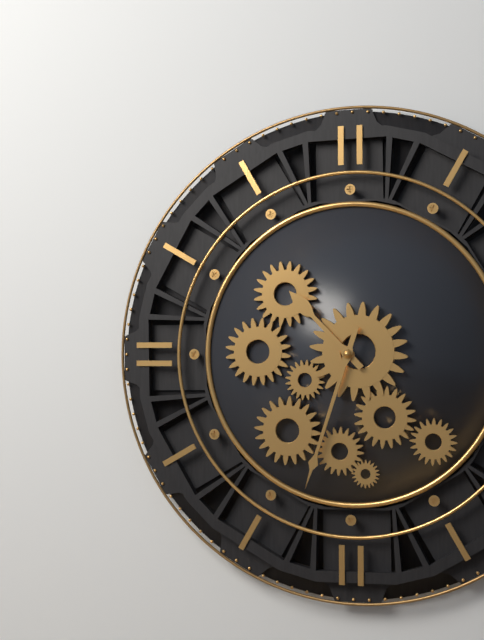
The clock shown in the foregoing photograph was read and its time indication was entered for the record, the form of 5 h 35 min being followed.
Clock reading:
10 h 33 min
